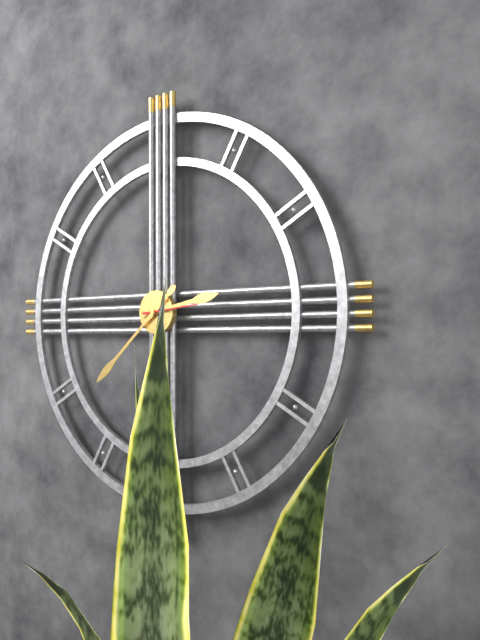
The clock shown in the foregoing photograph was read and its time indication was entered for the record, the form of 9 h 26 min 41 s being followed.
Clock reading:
2 h 38 min 14 s
